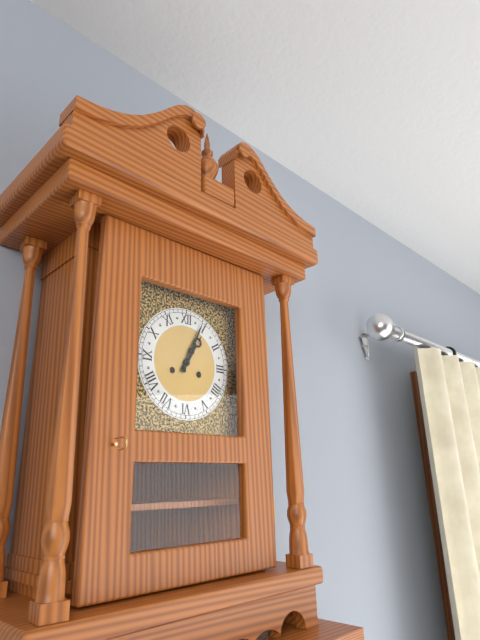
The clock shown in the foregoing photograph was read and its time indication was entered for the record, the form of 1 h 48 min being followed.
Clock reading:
1 h 04 min
